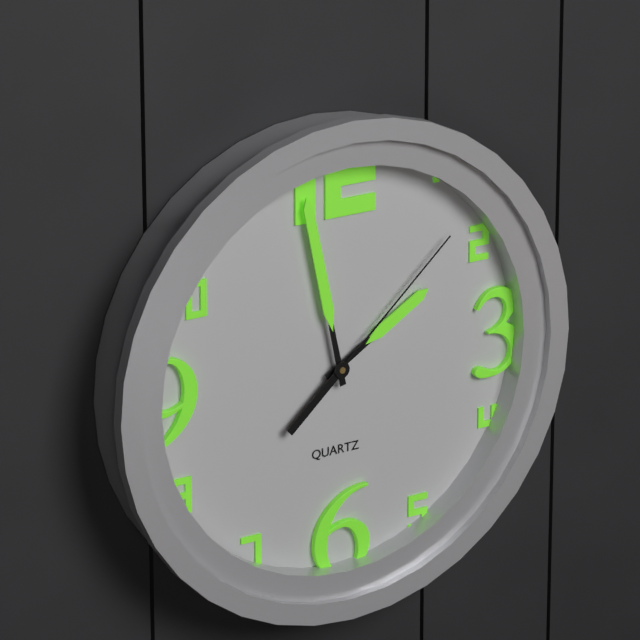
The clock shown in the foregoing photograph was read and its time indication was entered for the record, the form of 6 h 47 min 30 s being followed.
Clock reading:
1 h 58 min 08 s
